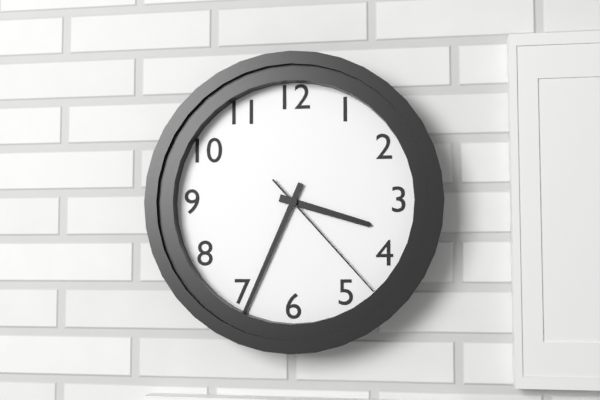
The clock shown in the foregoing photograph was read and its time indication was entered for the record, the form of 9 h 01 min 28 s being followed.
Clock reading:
3 h 34 min 23 s
